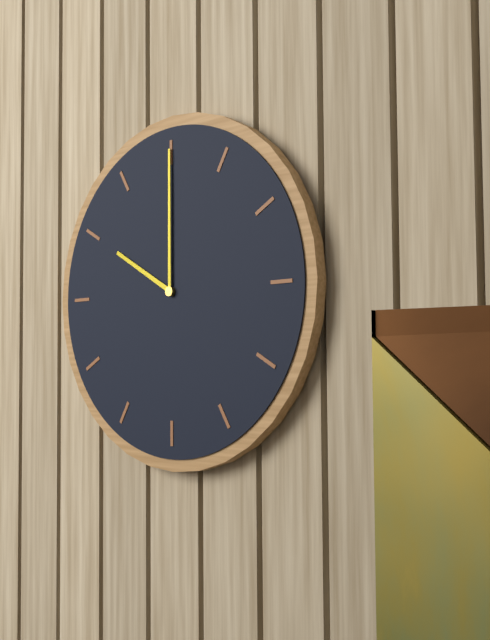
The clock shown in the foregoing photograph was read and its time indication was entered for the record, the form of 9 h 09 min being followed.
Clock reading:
10 h 00 min
